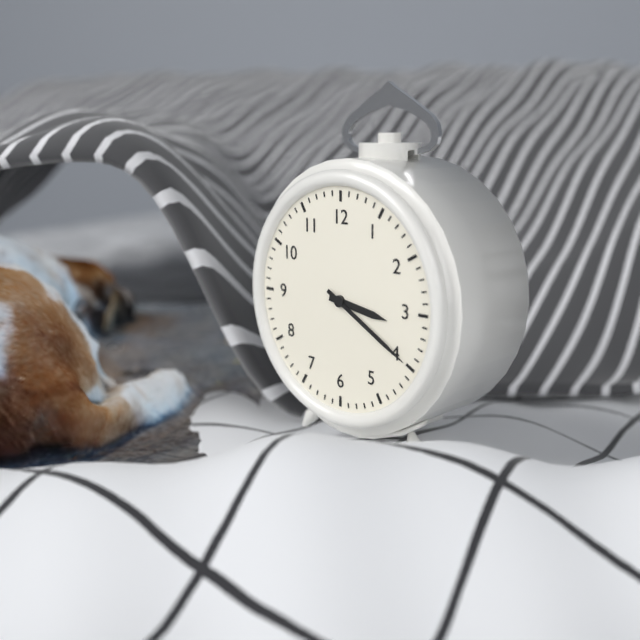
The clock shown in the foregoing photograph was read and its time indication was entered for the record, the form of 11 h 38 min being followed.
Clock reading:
3 h 20 min
